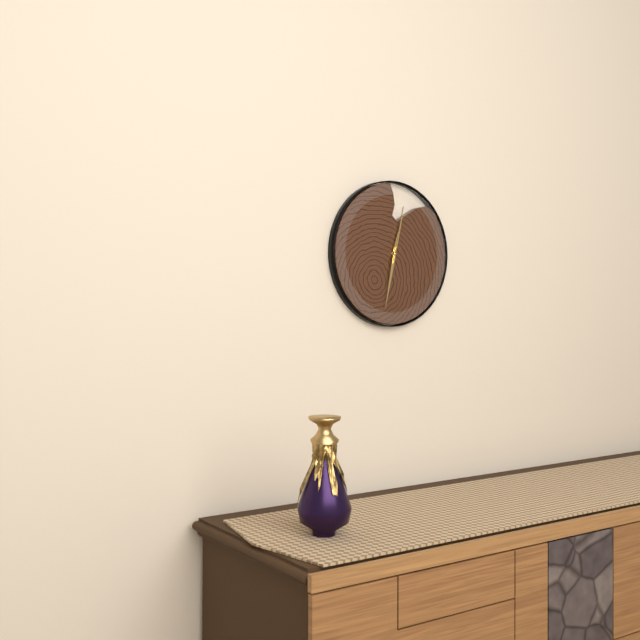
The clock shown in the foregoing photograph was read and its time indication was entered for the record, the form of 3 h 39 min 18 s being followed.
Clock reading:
12 h 32 min 02 s
